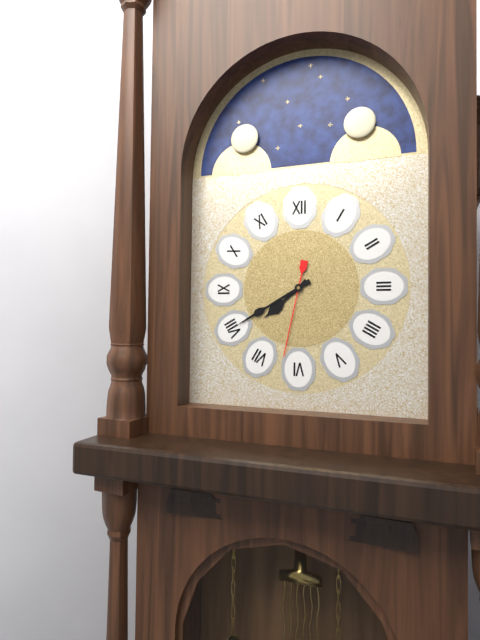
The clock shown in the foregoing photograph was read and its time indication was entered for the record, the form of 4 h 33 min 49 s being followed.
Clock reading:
7 h 40 min 32 s
